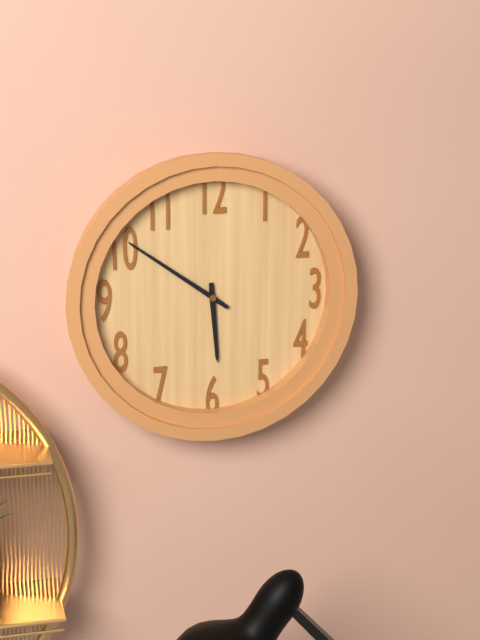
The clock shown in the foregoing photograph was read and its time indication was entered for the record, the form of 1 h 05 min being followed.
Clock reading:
5 h 51 min
